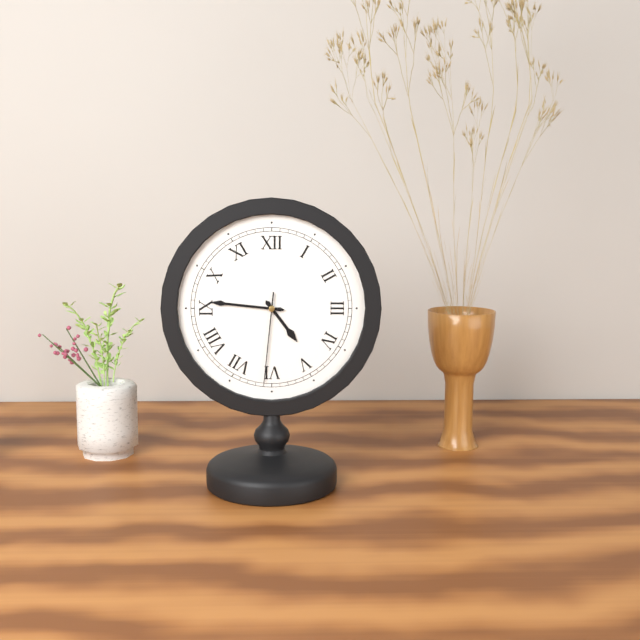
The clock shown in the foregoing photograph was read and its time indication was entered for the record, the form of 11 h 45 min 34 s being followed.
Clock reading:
4 h 46 min 31 s
